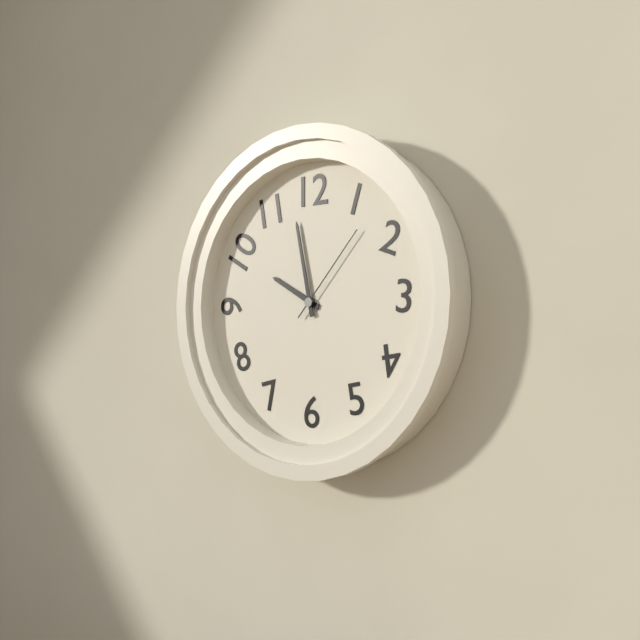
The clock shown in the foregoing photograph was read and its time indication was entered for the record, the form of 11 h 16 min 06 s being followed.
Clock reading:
9 h 58 min 07 s
